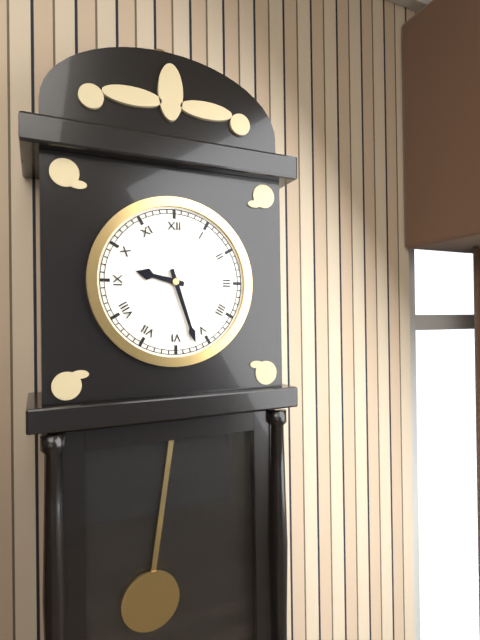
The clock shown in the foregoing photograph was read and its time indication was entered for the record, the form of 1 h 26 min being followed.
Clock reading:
9 h 27 min
